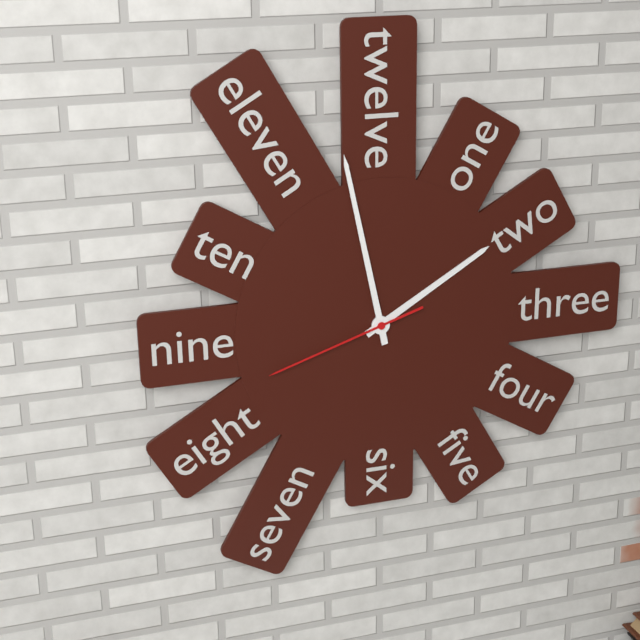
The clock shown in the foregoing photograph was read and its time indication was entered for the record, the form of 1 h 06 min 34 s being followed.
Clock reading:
1 h 58 min 42 s
